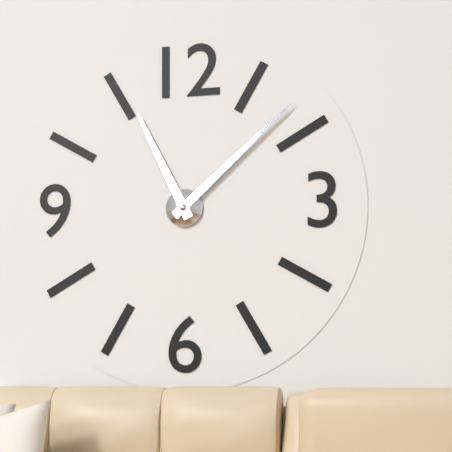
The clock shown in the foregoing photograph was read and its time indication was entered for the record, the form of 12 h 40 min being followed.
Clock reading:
11 h 08 min
